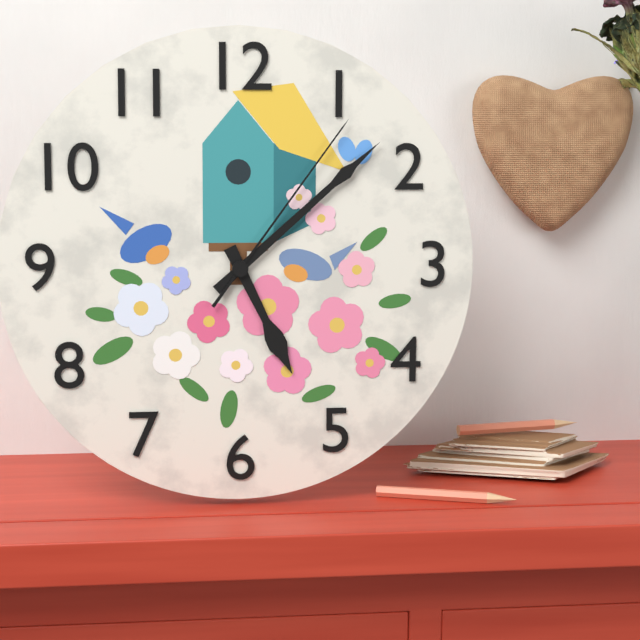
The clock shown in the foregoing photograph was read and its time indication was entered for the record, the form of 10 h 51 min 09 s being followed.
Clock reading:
5 h 08 min 06 s
